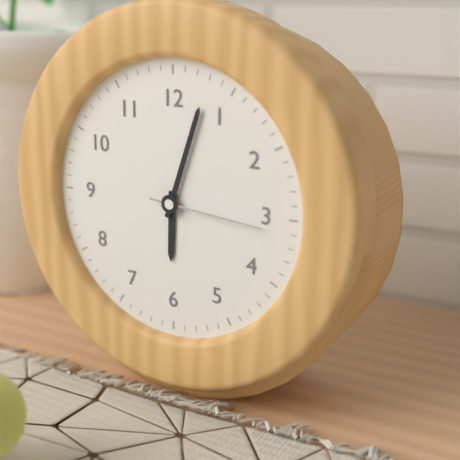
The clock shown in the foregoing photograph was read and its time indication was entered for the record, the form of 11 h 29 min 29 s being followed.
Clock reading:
6 h 03 min 16 s
